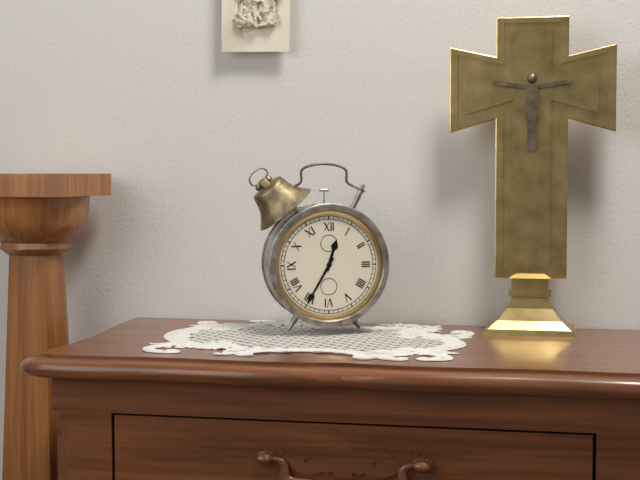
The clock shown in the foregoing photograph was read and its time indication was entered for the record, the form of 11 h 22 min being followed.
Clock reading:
12 h 35 min
